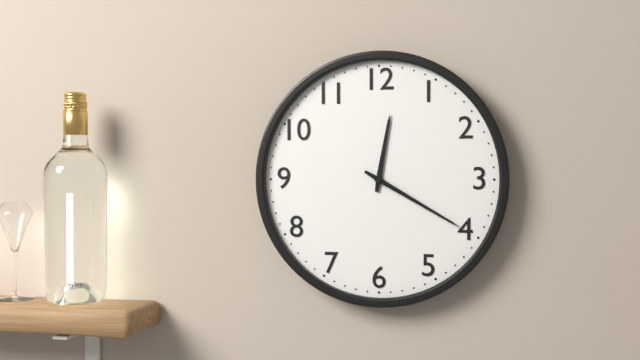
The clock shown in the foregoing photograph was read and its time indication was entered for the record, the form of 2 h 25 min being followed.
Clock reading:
12 h 20 min
